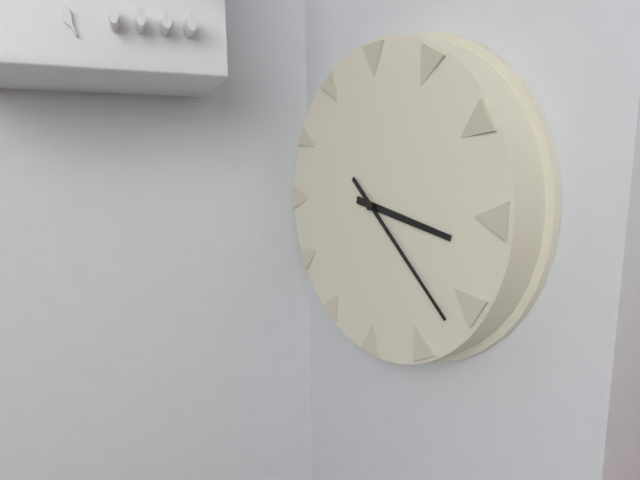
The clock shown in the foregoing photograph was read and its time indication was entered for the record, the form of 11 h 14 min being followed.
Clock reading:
3 h 22 min
